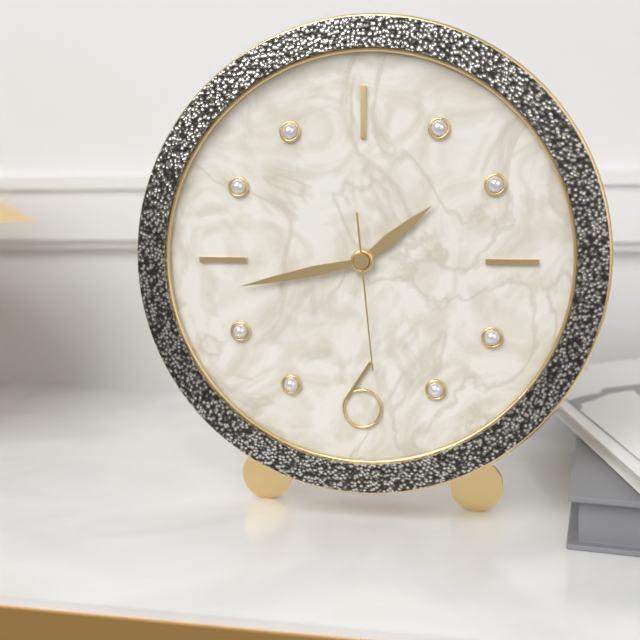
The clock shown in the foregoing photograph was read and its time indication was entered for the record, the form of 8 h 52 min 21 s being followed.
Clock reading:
1 h 43 min 29 s
